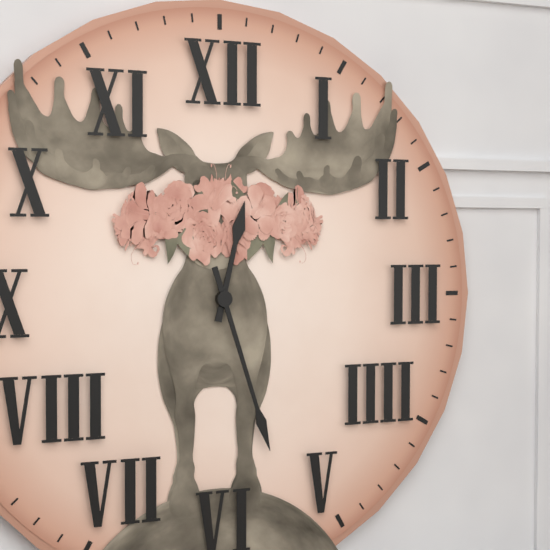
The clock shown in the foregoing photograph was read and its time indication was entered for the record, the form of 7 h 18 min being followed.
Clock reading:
12 h 27 min
